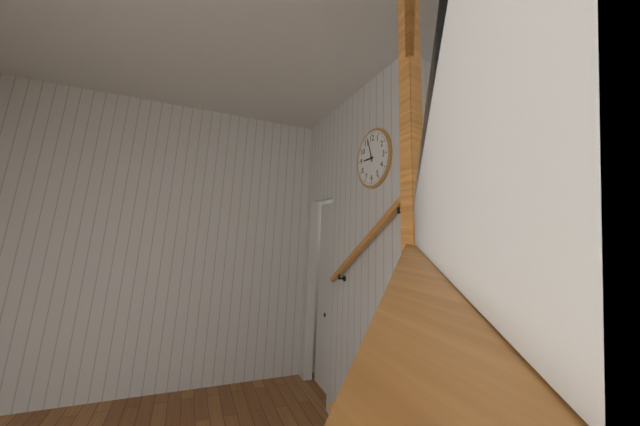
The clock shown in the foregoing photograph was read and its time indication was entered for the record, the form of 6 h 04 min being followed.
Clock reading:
8 h 57 min
